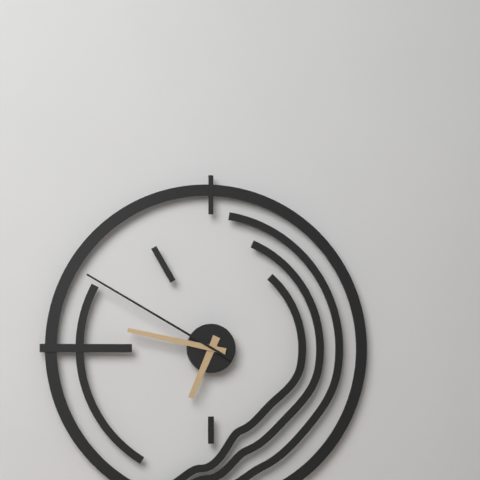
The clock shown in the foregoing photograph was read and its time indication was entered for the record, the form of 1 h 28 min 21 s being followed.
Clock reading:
6 h 47 min 50 s
